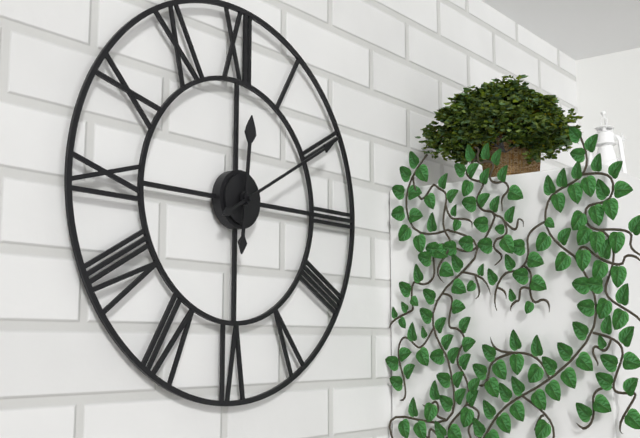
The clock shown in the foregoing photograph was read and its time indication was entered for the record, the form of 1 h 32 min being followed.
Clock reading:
12 h 10 min
